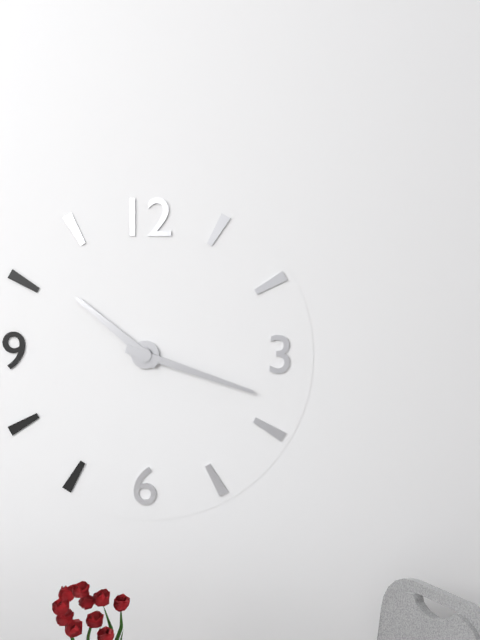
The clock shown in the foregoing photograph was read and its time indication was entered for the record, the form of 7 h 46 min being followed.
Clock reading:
10 h 18 min
